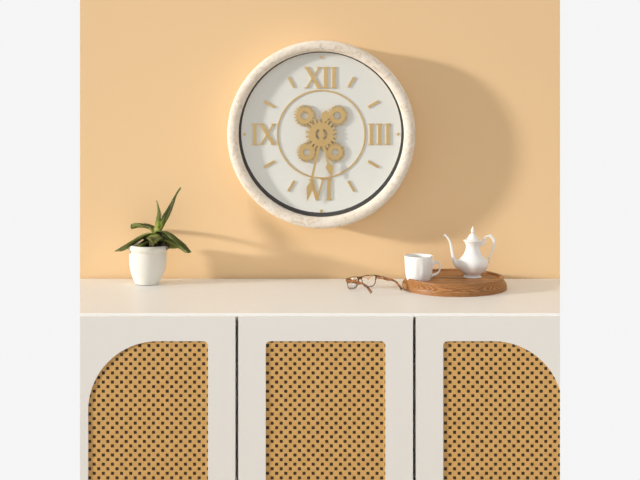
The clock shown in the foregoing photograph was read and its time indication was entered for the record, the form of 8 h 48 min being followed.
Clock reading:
5 h 32 min
